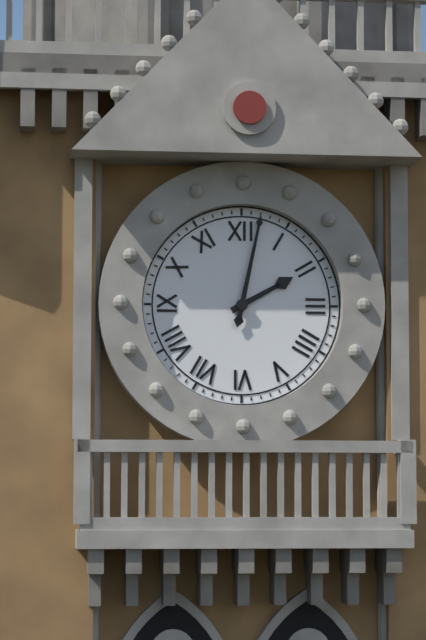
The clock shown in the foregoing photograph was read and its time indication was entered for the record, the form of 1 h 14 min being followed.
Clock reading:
2 h 02 min
